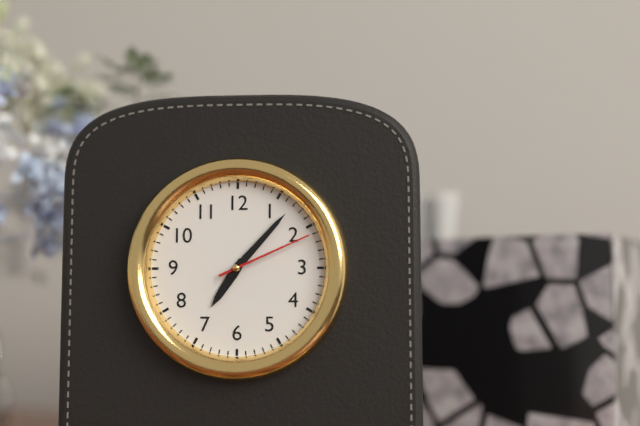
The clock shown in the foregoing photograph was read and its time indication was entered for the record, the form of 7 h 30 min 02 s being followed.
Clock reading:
7 h 07 min 11 s
